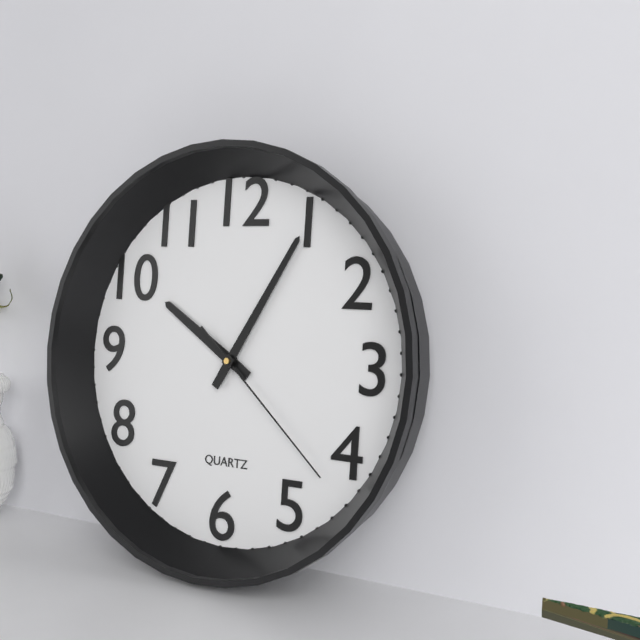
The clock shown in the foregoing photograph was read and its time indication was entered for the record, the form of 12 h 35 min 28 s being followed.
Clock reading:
10 h 05 min 22 s
